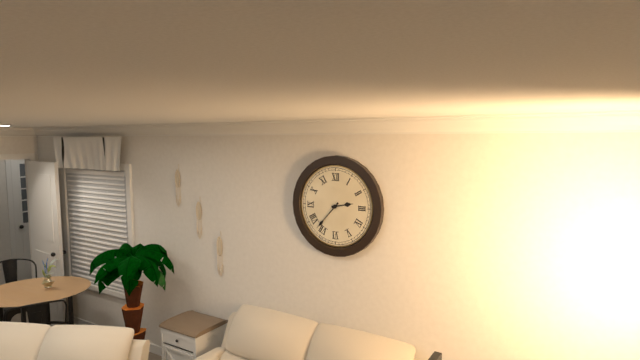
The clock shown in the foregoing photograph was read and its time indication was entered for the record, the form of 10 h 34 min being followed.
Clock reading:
2 h 37 min
